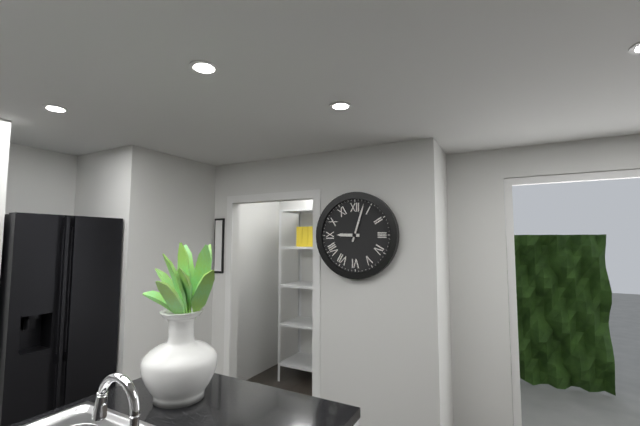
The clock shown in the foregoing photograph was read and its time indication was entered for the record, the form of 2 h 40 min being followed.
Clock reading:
9 h 03 min
